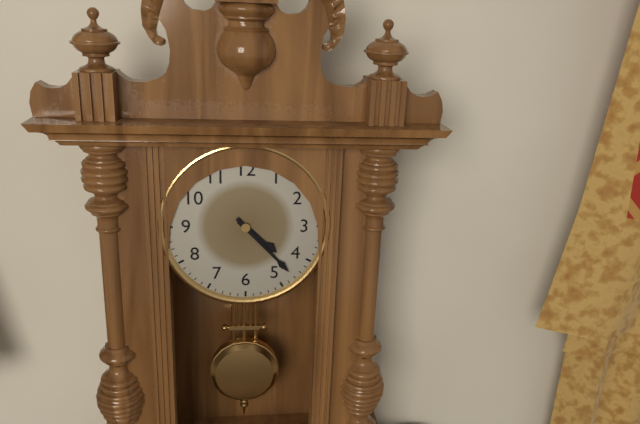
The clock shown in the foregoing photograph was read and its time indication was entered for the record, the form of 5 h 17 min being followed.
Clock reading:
4 h 23 min
